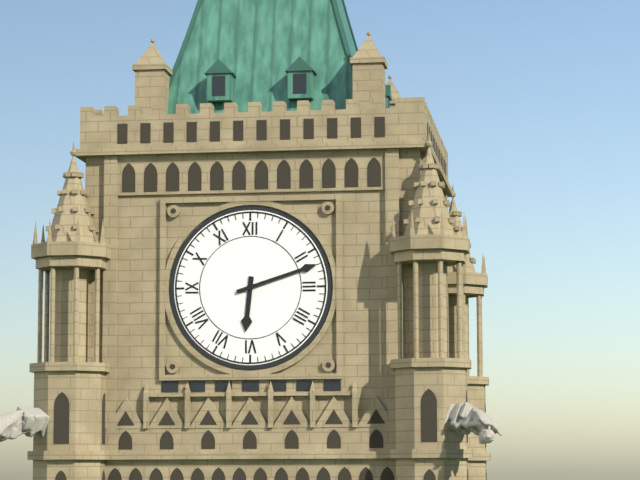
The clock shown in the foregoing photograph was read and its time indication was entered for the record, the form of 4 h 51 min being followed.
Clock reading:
6 h 12 min
